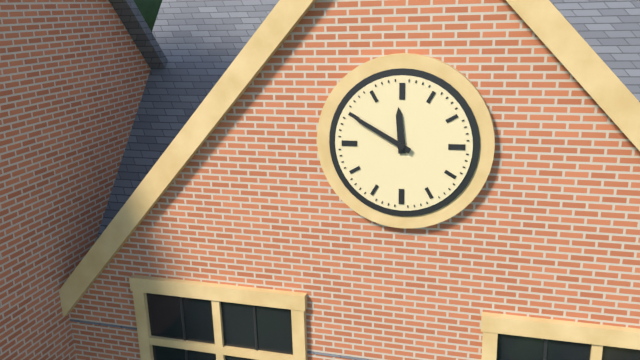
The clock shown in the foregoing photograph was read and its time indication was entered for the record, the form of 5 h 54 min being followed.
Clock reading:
11 h 50 min
